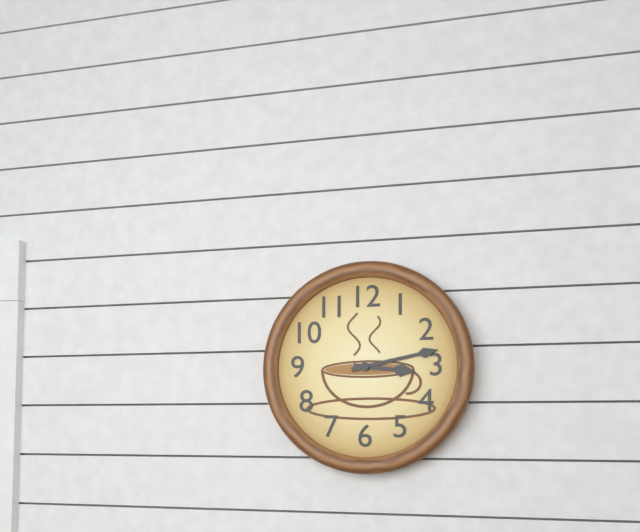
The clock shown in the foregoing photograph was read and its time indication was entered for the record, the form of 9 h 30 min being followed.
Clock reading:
3 h 13 min
